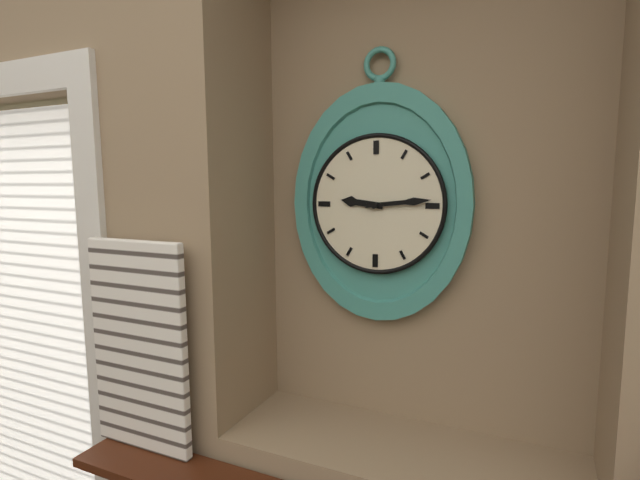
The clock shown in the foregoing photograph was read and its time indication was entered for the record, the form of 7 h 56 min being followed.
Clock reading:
9 h 14 min
